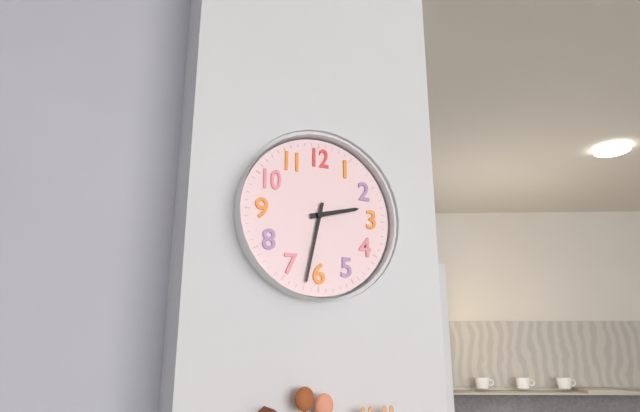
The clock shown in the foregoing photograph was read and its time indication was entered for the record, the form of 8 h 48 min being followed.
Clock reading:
2 h 32 min
